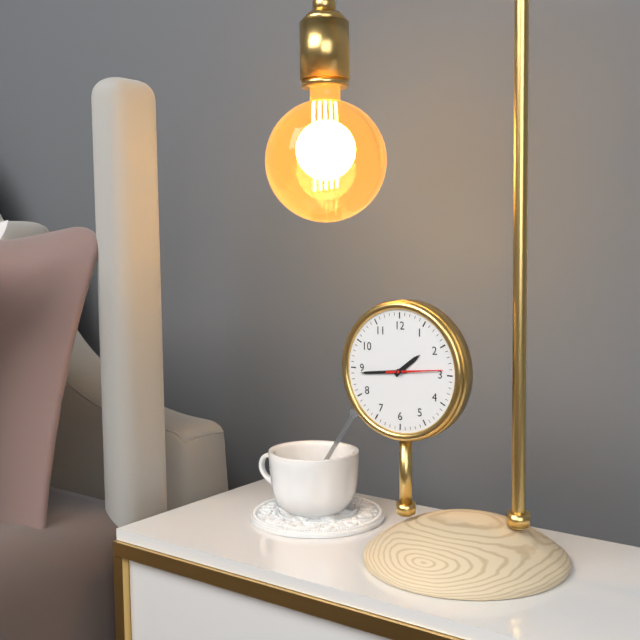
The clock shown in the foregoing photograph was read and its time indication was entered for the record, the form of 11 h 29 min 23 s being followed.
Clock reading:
1 h 44 min 14 s
